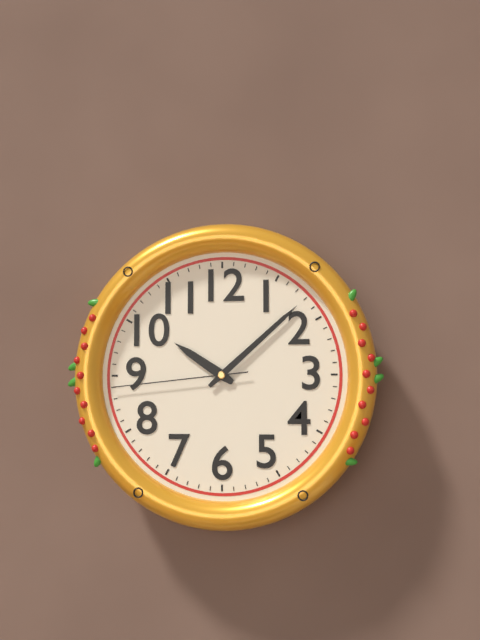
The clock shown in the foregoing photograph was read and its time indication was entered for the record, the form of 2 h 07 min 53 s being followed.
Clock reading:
10 h 08 min 44 s
